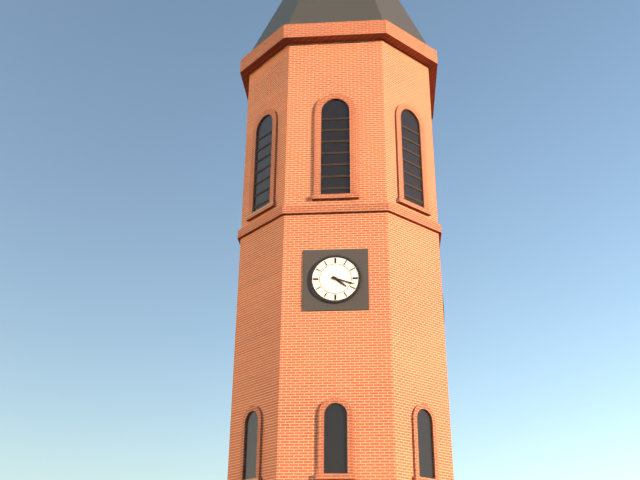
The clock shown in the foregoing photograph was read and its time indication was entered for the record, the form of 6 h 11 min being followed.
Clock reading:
4 h 18 min
